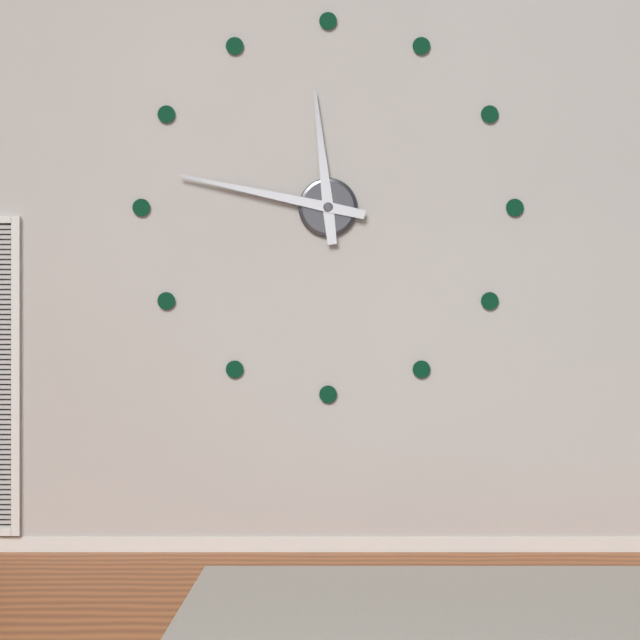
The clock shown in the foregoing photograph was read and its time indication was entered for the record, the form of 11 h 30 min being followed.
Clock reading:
11 h 47 min
